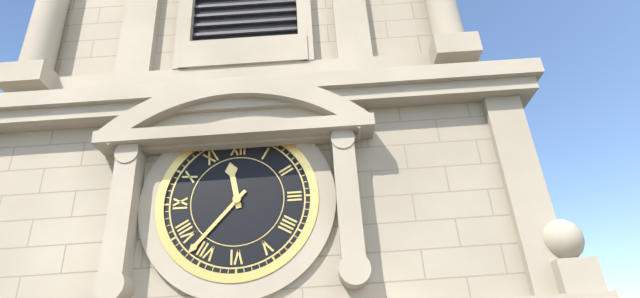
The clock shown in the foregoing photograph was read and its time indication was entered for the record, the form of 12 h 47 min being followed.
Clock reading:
11 h 37 min
